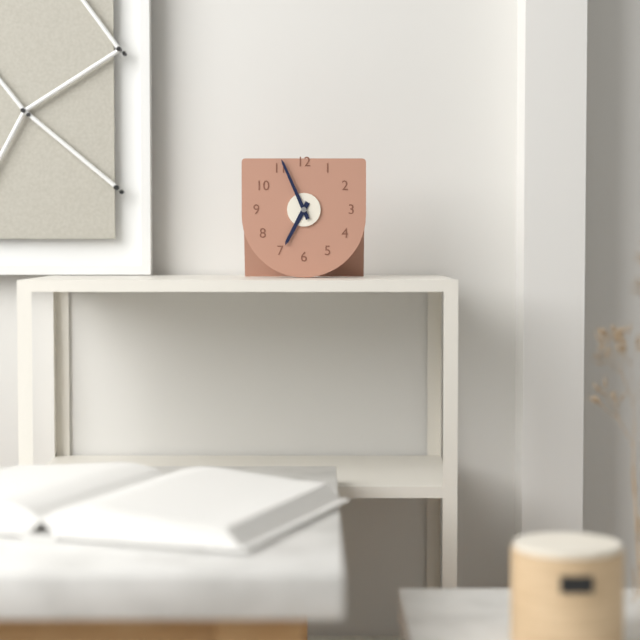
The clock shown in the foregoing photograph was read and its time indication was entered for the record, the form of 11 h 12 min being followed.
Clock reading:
6 h 56 min
